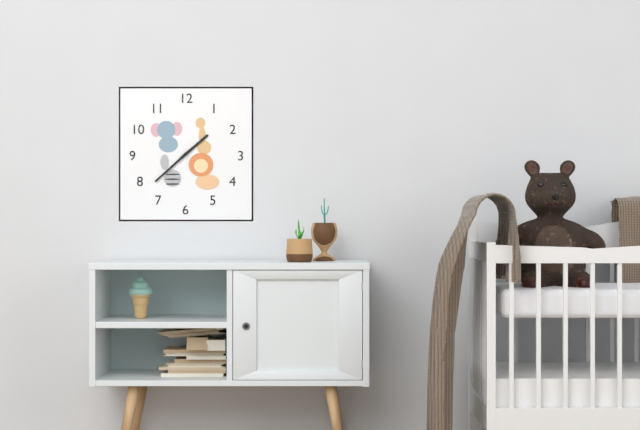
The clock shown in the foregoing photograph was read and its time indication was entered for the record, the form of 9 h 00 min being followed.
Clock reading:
1 h 38 min
